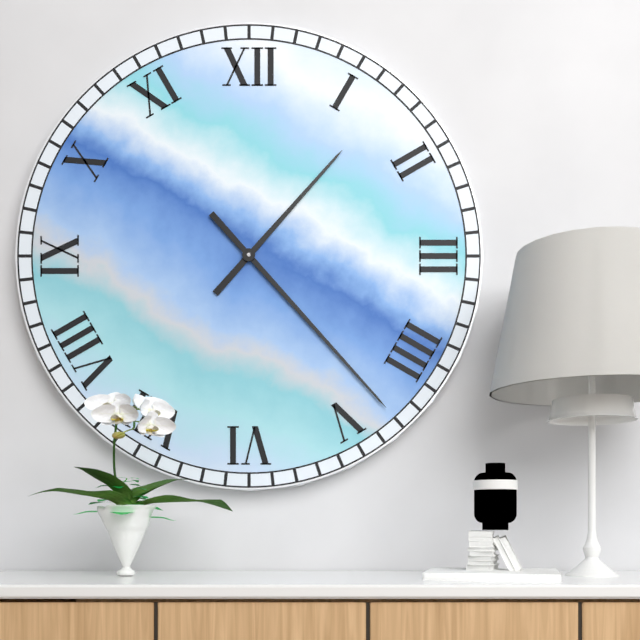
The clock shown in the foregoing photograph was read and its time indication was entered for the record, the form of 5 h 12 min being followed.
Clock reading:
1 h 23 min
